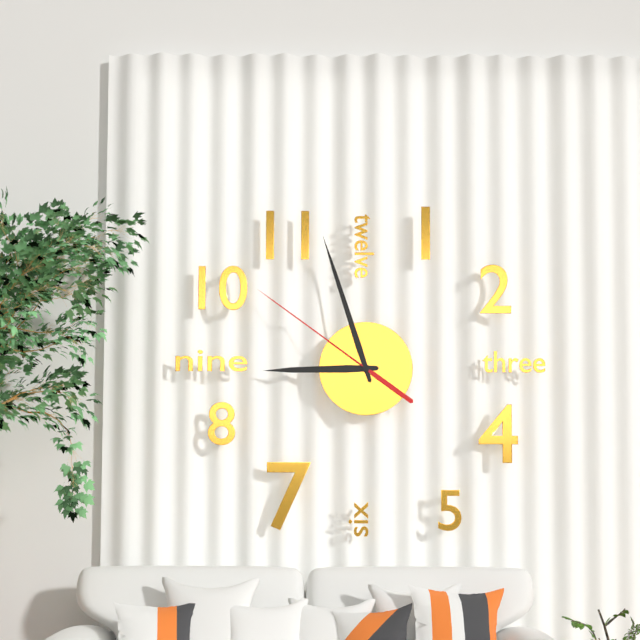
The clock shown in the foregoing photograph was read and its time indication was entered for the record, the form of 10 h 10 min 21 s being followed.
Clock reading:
8 h 57 min 51 s
